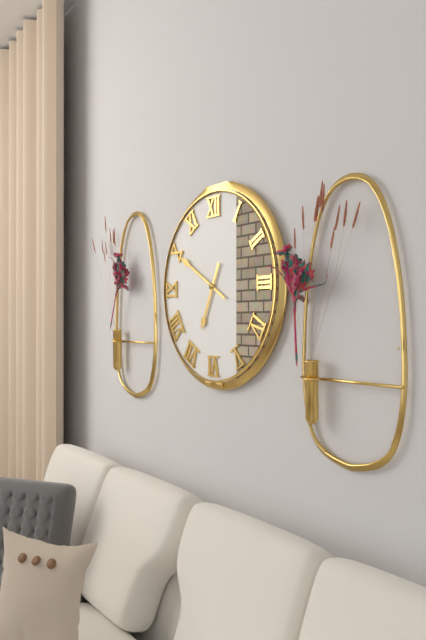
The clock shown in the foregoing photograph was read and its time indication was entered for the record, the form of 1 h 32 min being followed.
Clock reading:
6 h 50 min
